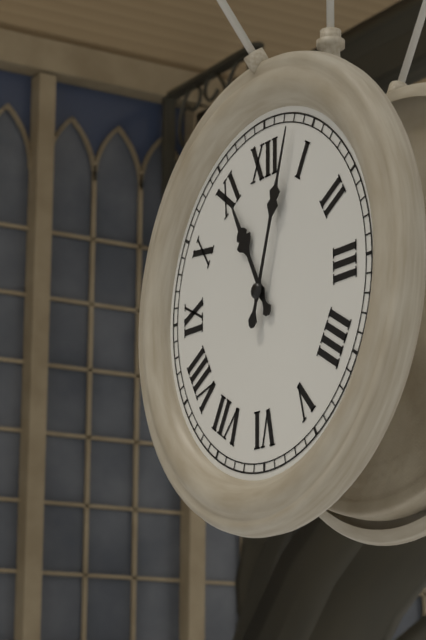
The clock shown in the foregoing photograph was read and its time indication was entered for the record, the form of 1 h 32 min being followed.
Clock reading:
11 h 03 min
